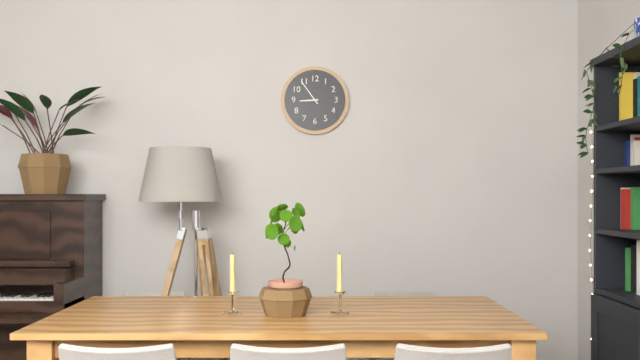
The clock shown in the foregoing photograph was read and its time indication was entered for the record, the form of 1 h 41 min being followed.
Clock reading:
8 h 54 min
